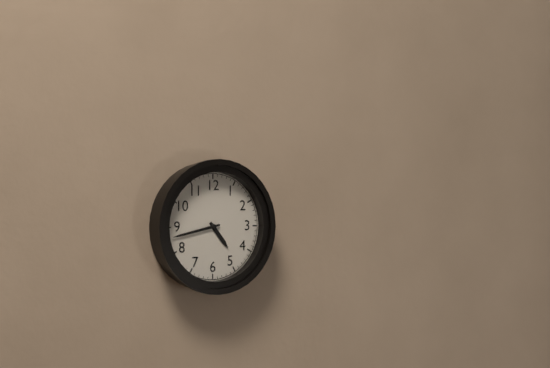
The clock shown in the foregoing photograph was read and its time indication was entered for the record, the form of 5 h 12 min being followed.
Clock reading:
4 h 43 min
